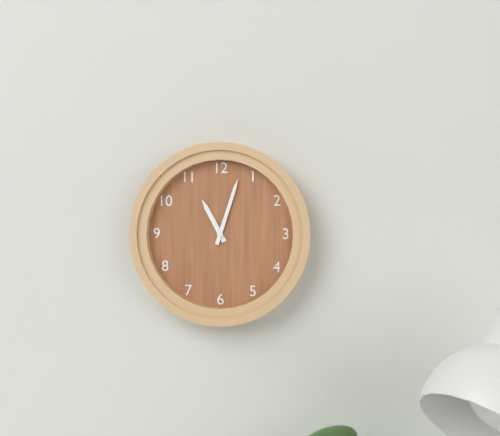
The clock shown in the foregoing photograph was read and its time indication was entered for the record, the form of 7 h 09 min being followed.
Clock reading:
11 h 03 min
